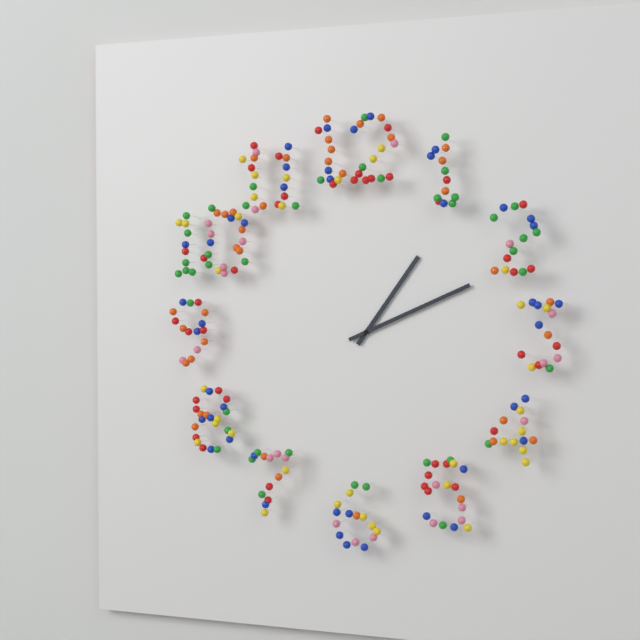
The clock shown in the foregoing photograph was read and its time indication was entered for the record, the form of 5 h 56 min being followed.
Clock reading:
1 h 11 min
